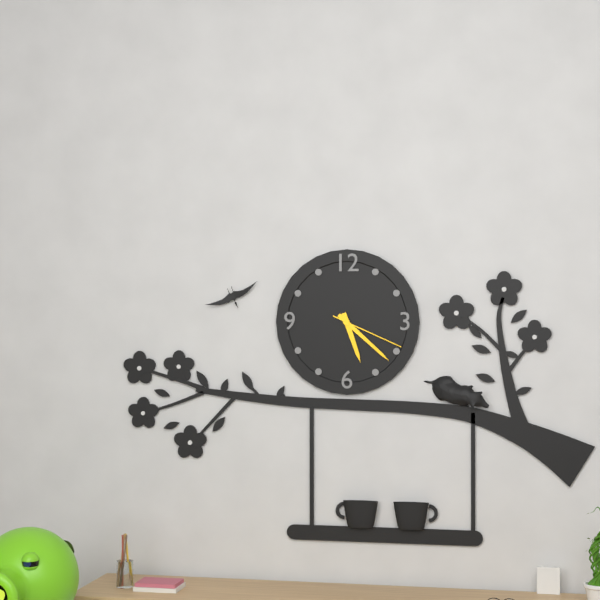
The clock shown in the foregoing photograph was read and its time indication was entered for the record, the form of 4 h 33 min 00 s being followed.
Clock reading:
5 h 22 min 19 s
